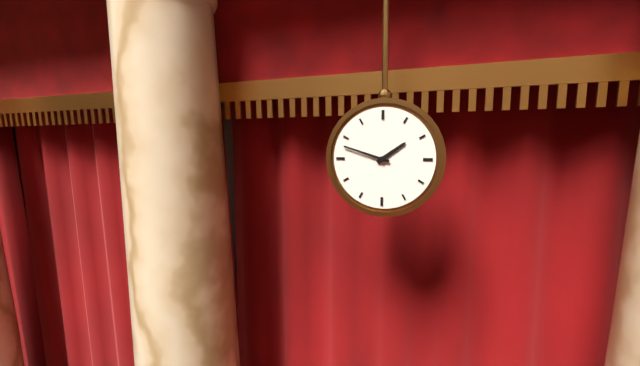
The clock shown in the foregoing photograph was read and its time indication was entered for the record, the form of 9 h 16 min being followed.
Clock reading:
1 h 48 min
